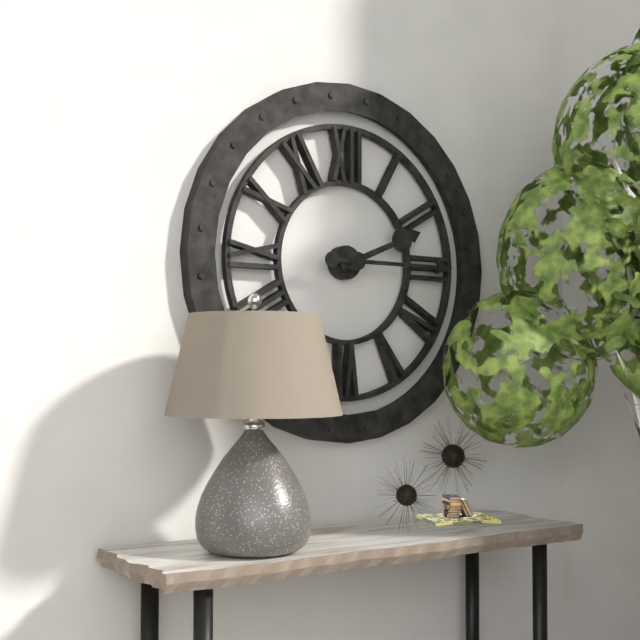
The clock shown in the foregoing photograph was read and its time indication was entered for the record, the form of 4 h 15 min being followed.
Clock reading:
2 h 15 min
